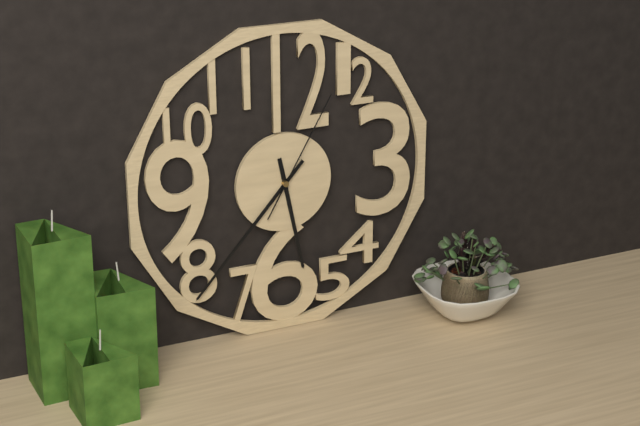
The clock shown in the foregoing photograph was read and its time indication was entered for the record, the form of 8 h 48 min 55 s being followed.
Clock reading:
5 h 37 min 05 s
